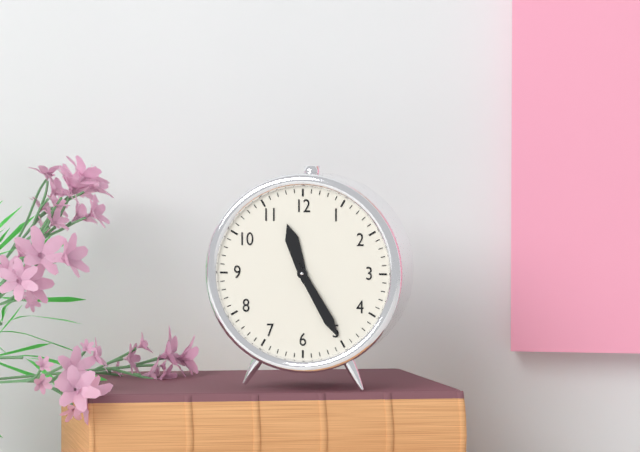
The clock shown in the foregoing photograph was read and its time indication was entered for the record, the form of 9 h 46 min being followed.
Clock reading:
11 h 25 min
